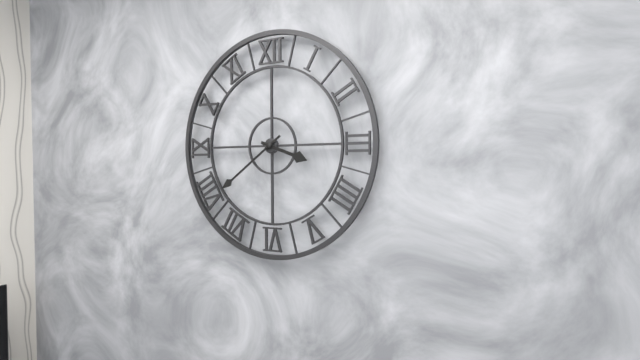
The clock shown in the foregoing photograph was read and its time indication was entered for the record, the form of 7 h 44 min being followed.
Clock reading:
3 h 39 min
